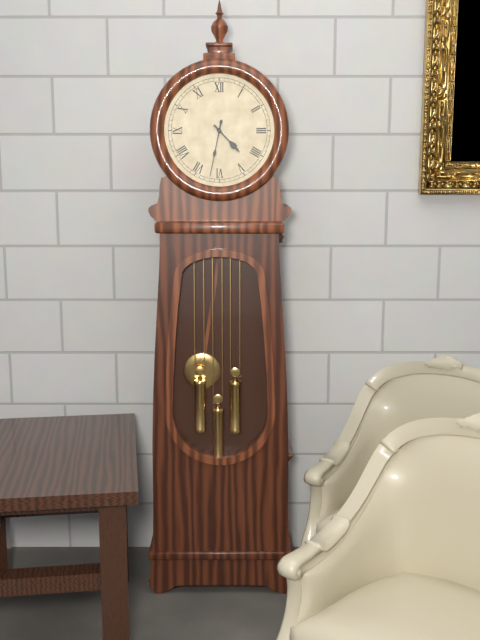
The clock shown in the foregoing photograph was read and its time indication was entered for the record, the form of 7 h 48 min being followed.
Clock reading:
4 h 32 min
